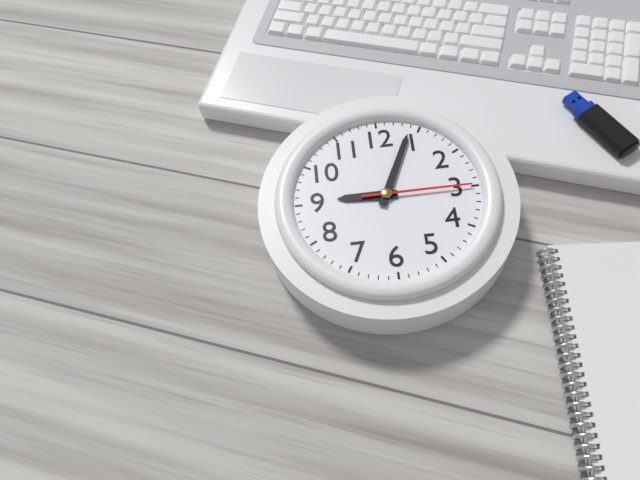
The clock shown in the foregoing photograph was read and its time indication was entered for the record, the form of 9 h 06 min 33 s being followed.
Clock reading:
9 h 04 min 15 s
